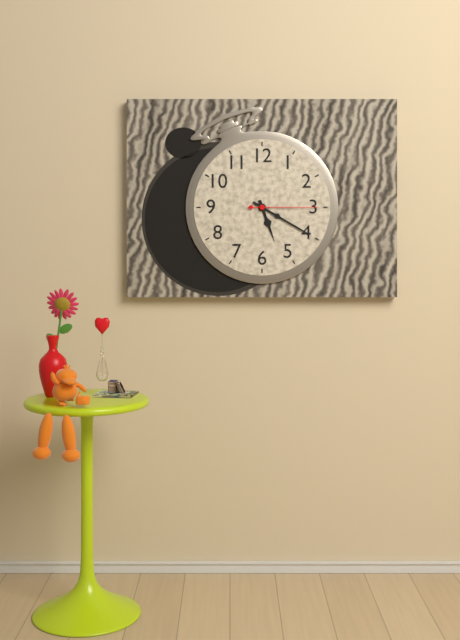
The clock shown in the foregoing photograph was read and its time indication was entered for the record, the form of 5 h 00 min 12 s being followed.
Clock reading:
5 h 20 min 15 s
